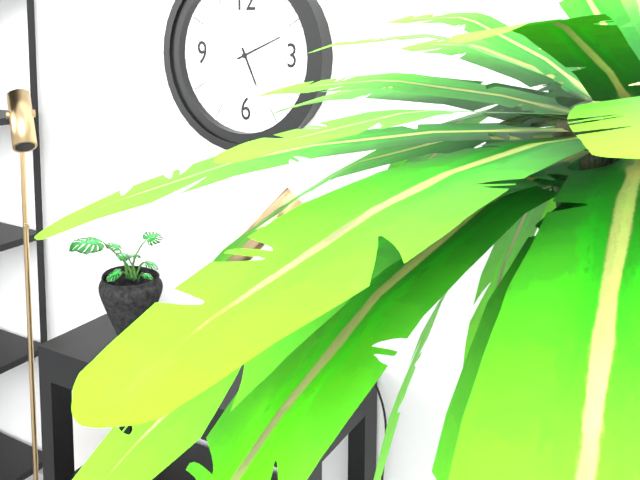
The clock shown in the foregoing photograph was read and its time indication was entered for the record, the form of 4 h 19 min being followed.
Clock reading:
5 h 11 min
